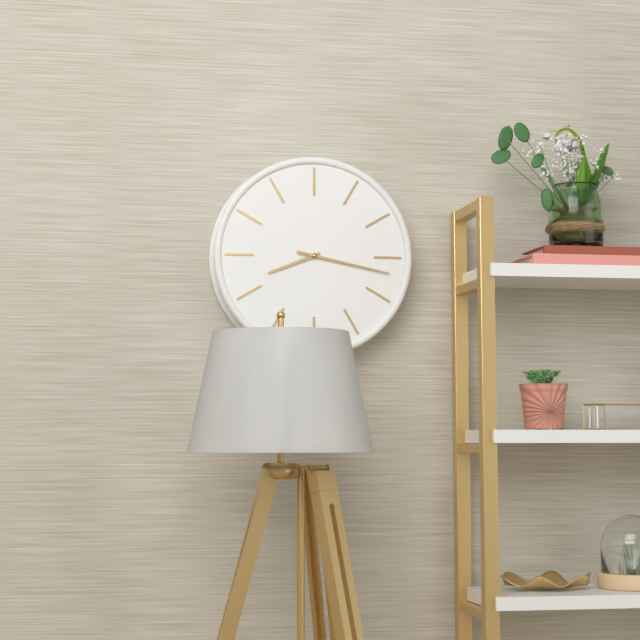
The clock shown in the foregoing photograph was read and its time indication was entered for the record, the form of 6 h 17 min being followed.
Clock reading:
8 h 17 min
